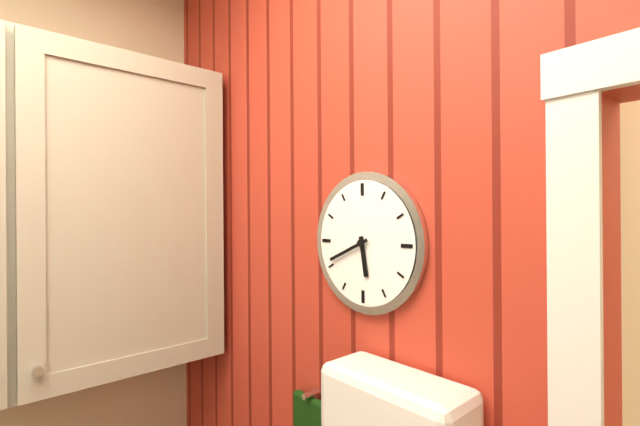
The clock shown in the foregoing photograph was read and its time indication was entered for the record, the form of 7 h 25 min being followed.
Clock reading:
5 h 41 min
